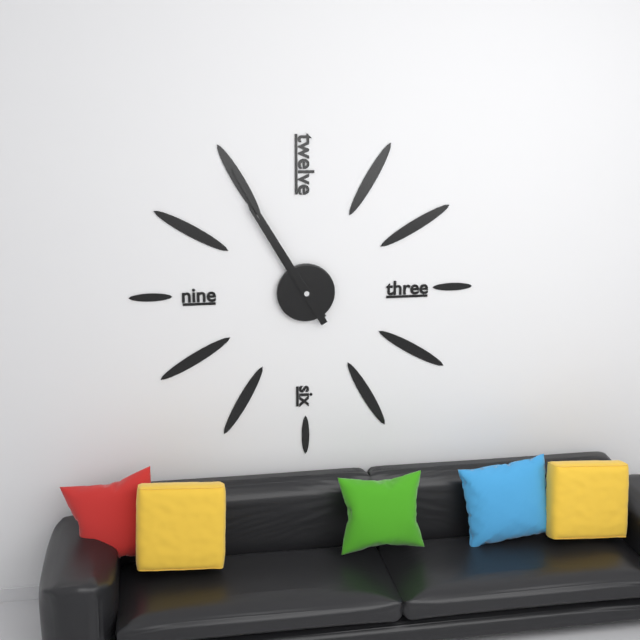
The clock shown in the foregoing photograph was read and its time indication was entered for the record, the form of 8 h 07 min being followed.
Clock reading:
10 h 55 min
